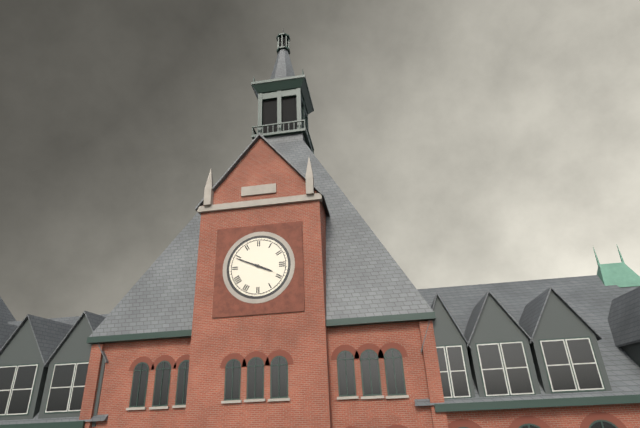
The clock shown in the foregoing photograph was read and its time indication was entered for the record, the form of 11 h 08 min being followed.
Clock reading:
3 h 49 min
